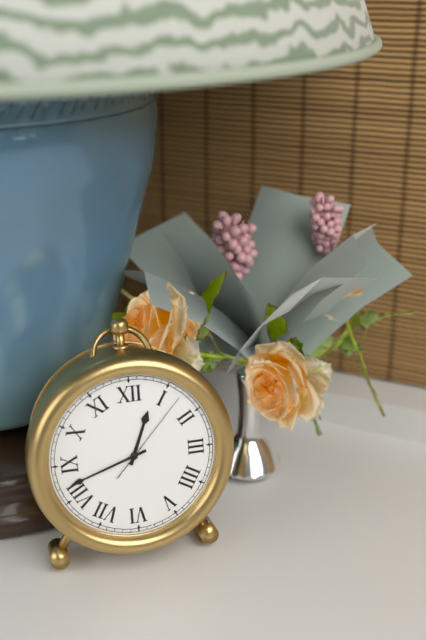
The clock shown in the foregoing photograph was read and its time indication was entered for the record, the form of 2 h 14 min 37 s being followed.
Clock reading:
12 h 42 min 07 s
